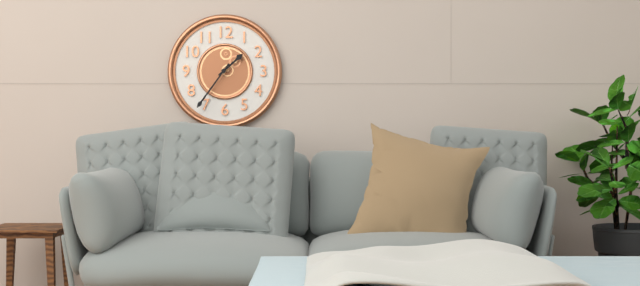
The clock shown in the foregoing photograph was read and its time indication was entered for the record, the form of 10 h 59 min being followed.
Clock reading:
1 h 36 min
